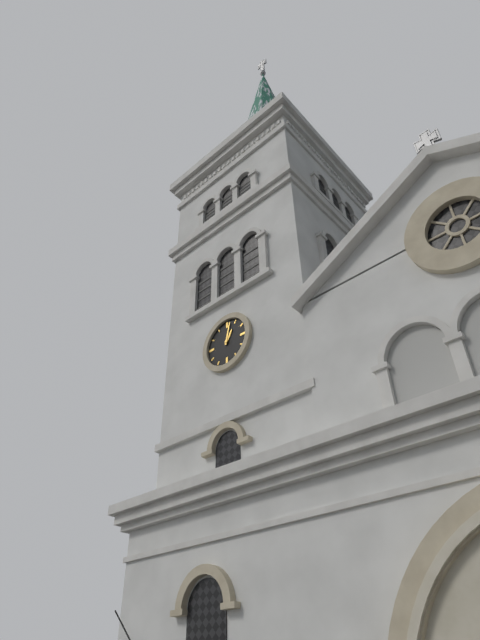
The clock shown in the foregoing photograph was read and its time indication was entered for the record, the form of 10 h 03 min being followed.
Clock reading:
1 h 02 min
